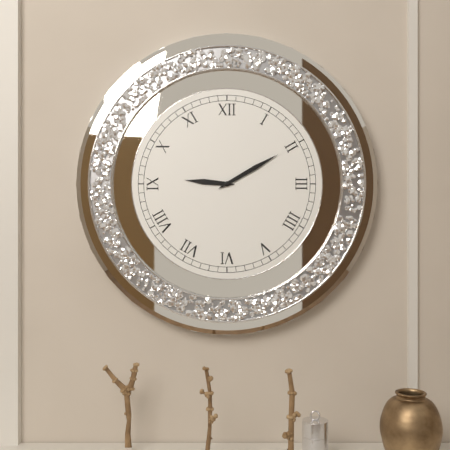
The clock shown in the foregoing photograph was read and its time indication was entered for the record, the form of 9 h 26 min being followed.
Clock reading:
9 h 10 min
